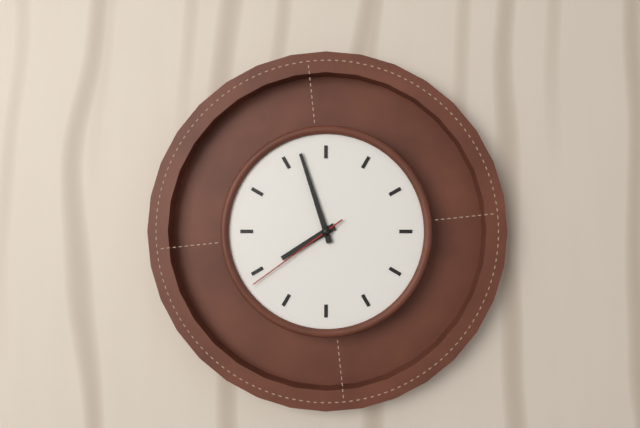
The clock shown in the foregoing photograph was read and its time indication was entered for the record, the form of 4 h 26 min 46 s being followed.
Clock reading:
7 h 57 min 39 s
